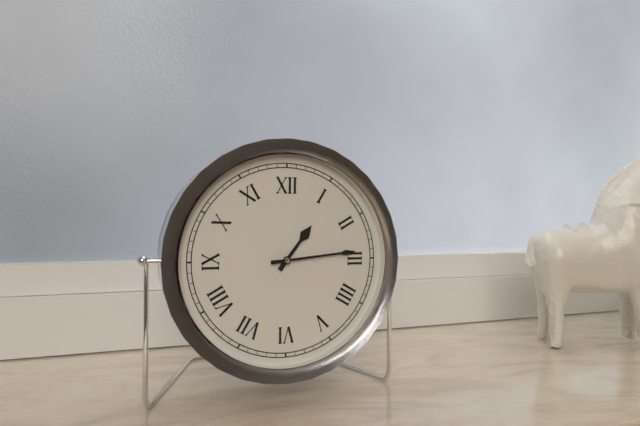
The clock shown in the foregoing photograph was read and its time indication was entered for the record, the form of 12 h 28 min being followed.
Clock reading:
1 h 14 min
